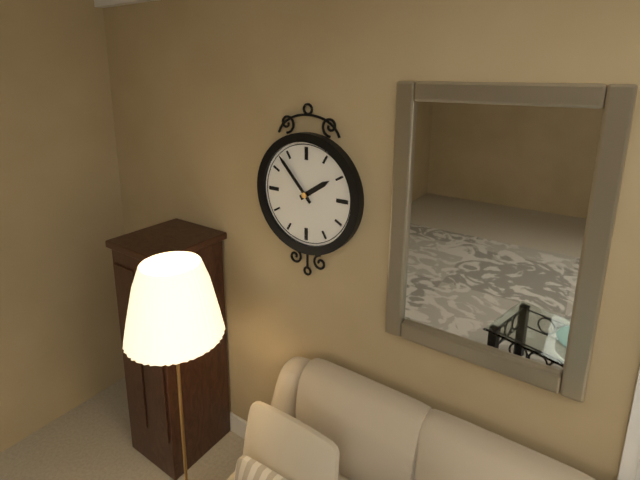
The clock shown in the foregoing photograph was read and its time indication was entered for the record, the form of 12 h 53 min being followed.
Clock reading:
1 h 53 min
